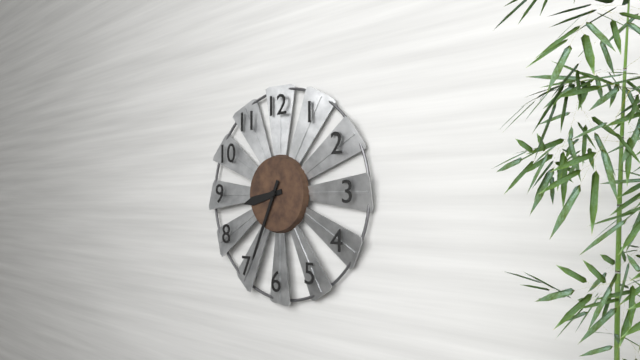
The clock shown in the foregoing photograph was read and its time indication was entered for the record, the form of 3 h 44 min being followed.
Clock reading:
8 h 34 min
